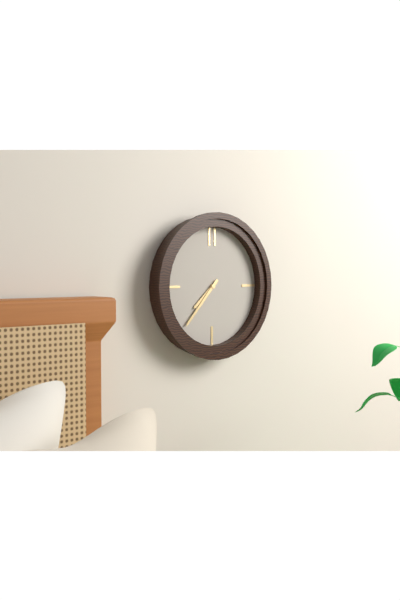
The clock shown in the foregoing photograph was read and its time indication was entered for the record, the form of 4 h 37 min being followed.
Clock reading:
7 h 37 min
